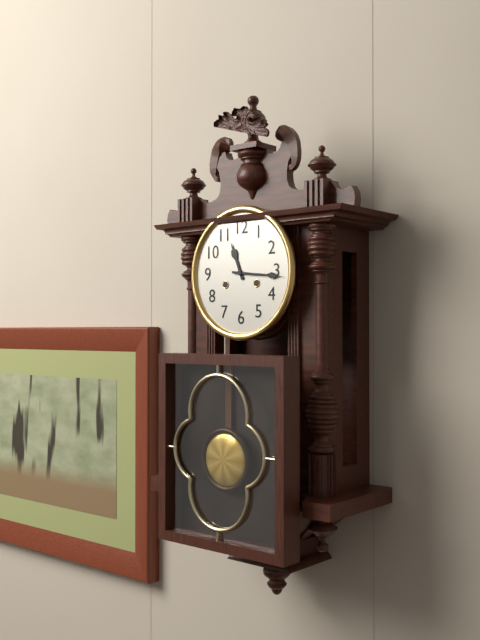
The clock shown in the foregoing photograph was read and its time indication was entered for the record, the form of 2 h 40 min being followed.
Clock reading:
11 h 16 min
